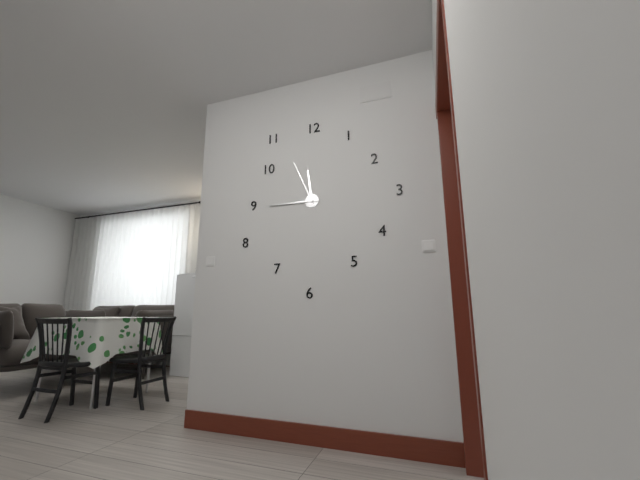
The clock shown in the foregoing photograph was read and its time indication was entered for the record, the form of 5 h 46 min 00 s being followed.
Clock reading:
11 h 45 min 56 s
